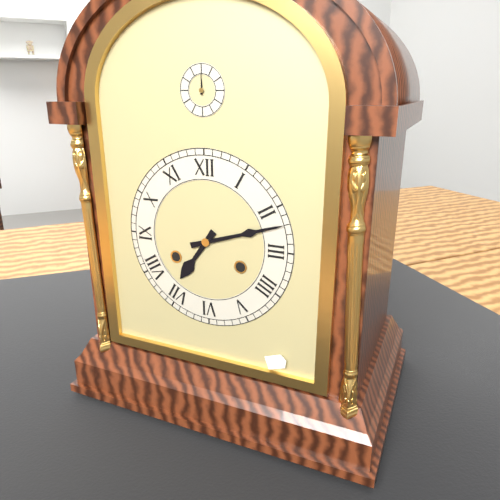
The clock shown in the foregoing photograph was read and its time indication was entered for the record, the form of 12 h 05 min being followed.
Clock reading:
7 h 12 min
